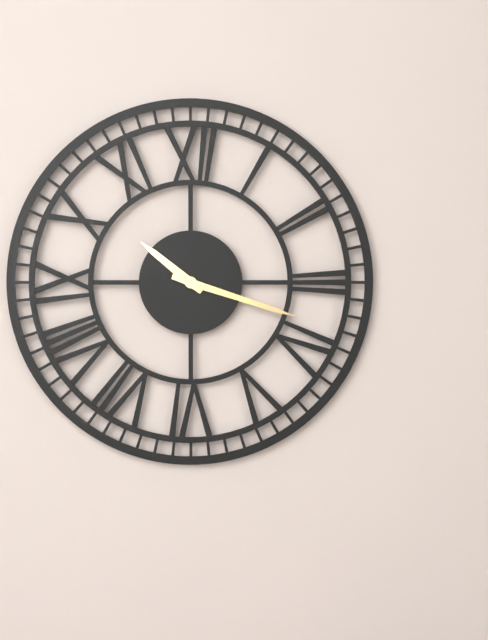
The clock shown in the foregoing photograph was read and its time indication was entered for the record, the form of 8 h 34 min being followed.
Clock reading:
10 h 18 min
